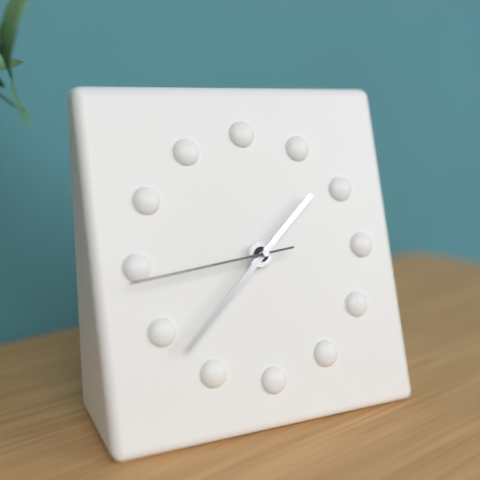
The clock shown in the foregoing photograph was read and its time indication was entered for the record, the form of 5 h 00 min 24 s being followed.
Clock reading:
1 h 38 min 44 s
